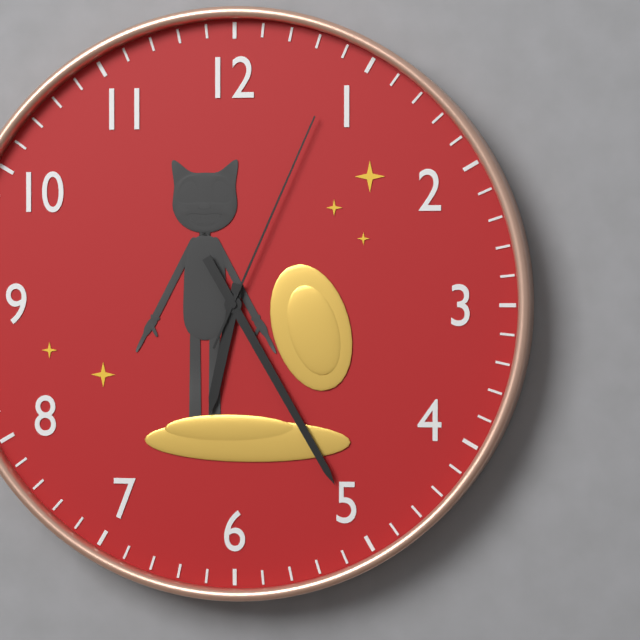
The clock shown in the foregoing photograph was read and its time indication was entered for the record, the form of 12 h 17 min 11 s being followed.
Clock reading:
6 h 25 min 04 s
